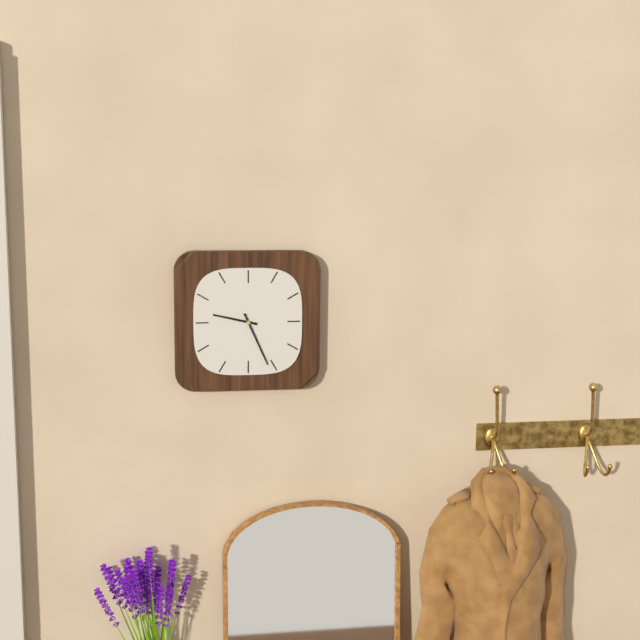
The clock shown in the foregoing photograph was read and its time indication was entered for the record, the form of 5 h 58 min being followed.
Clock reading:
9 h 26 min
